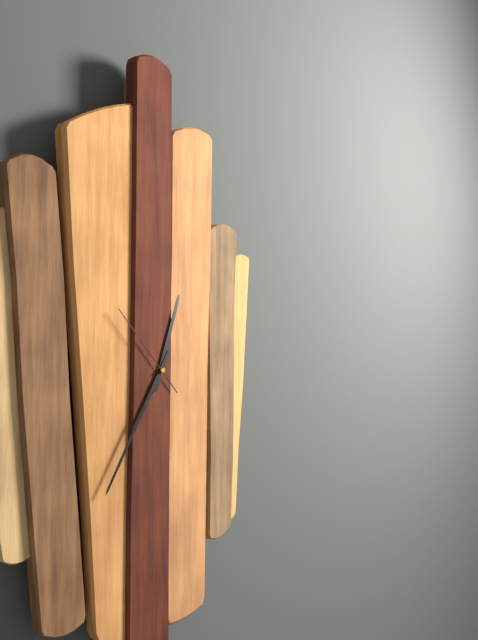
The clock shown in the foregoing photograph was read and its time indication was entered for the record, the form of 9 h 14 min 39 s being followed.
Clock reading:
12 h 35 min 53 s
